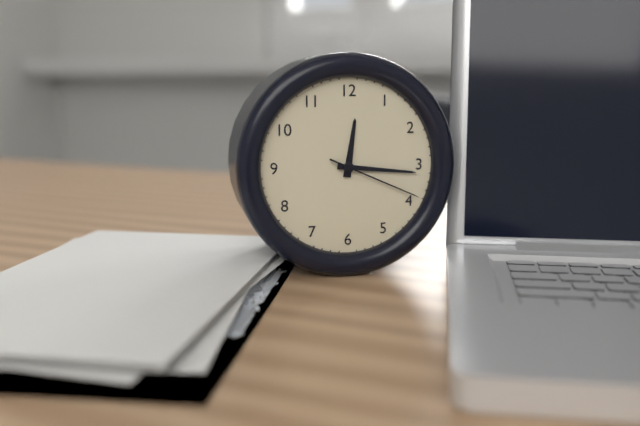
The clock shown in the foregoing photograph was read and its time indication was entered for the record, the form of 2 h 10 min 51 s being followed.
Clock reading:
12 h 16 min 19 s
